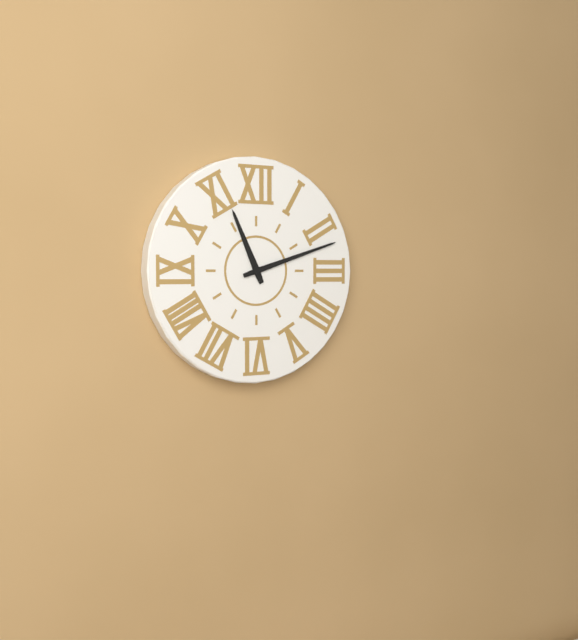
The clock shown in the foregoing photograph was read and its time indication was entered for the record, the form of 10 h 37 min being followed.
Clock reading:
11 h 12 min
